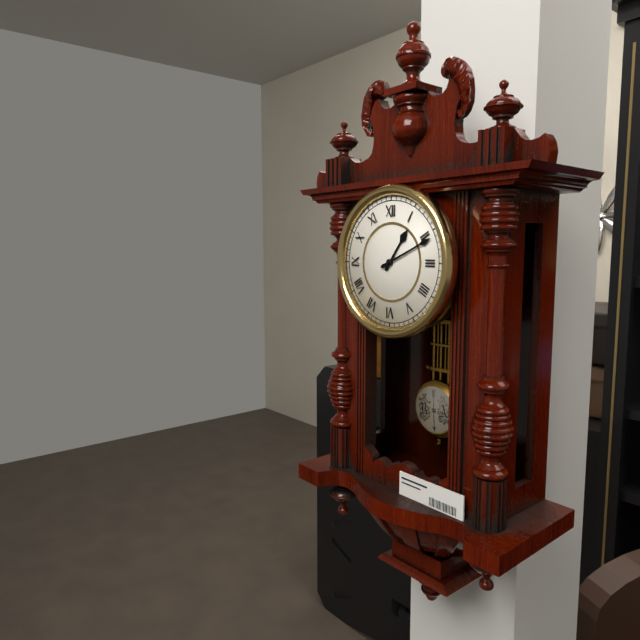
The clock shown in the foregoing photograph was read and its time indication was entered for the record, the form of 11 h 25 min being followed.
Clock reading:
1 h 11 min
